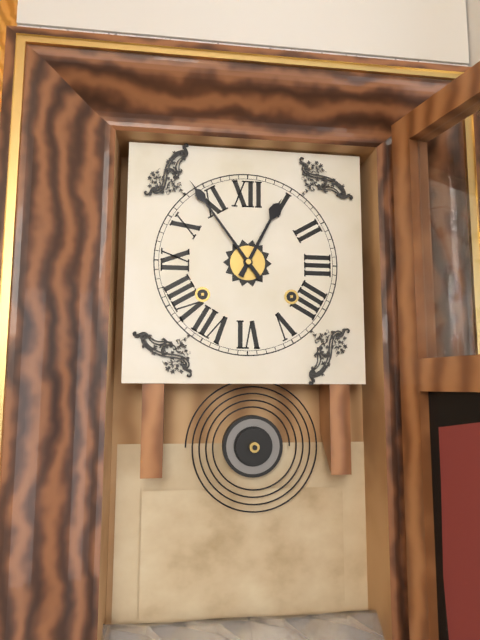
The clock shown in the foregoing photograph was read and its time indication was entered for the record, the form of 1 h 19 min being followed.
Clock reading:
12 h 54 min
